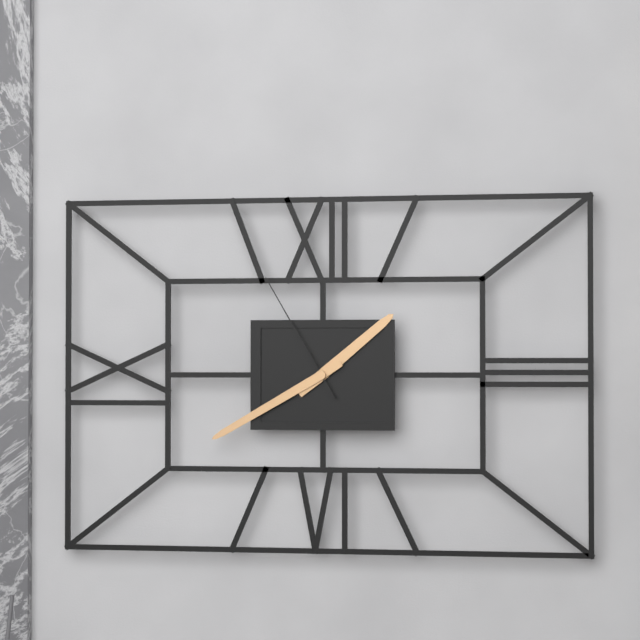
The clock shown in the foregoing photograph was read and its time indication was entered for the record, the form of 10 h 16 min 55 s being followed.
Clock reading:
1 h 40 min 55 s
